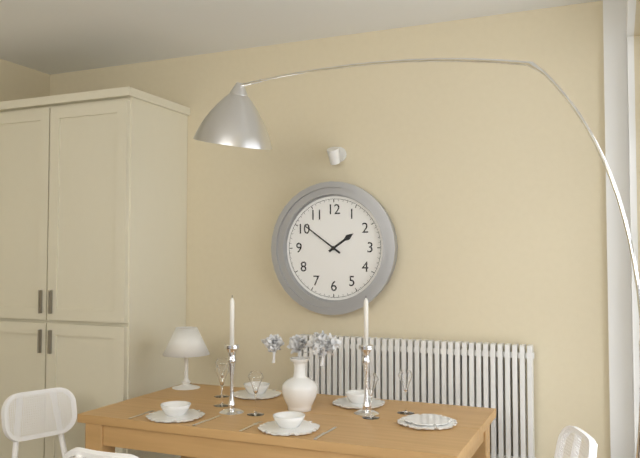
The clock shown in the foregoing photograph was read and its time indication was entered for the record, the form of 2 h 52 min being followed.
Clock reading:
1 h 51 min
